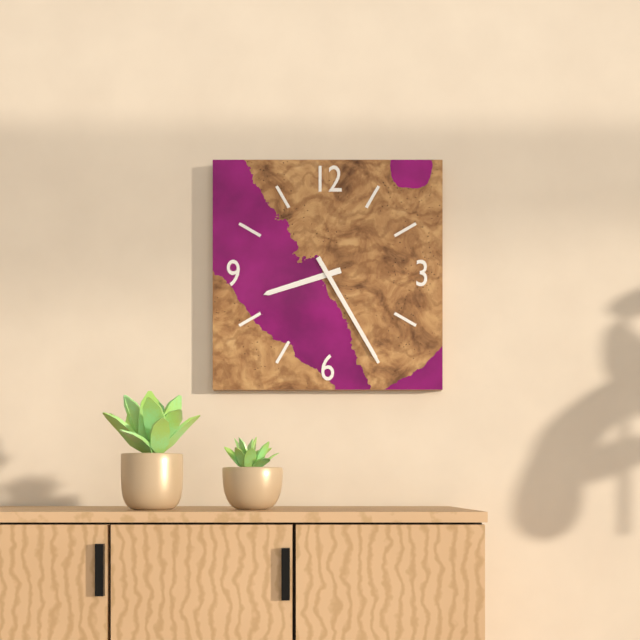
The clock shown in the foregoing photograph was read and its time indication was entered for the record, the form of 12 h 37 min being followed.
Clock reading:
8 h 25 min
